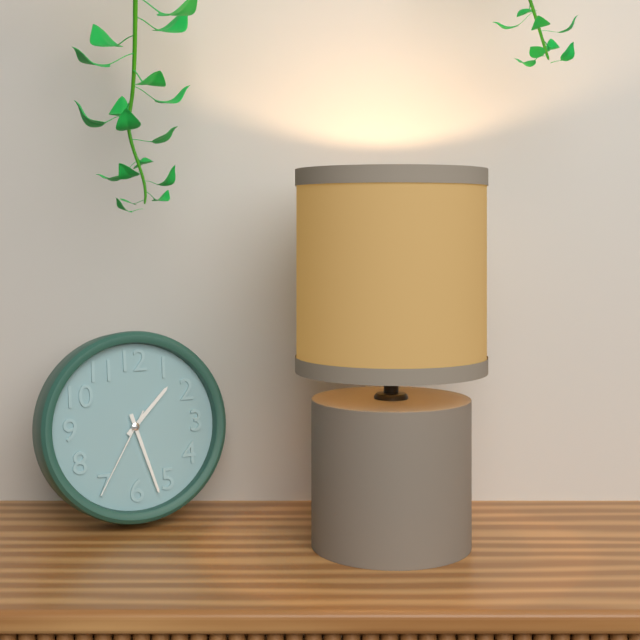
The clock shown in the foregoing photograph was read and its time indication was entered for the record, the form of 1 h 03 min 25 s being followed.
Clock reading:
1 h 27 min 35 s
